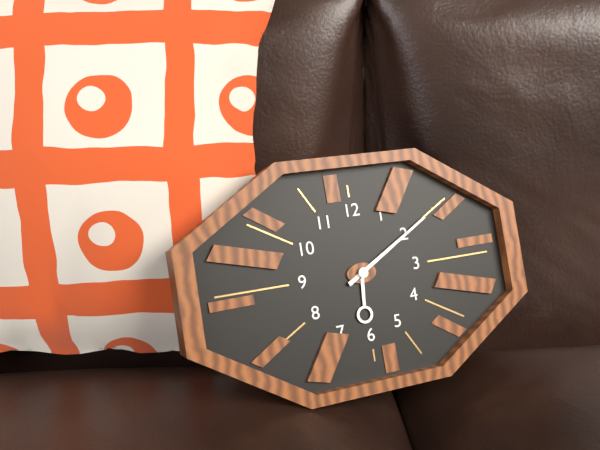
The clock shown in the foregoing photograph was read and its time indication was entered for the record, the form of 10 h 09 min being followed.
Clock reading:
6 h 10 min
